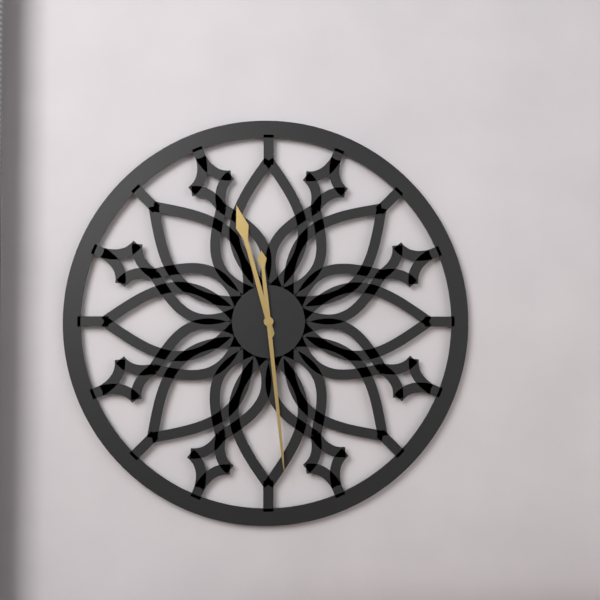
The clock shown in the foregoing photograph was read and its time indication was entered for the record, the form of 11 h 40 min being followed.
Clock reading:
11 h 29 min
